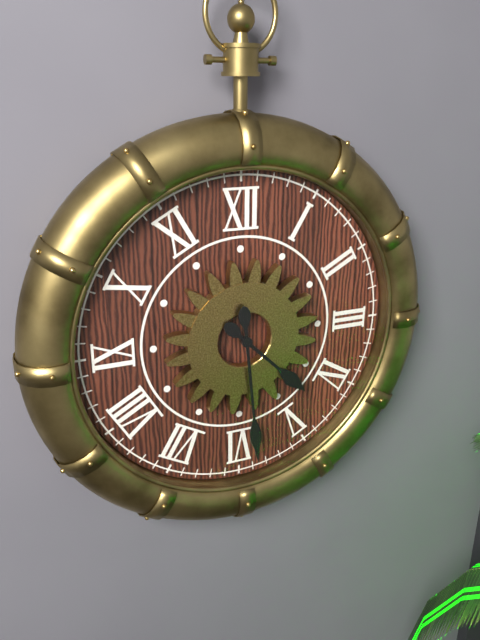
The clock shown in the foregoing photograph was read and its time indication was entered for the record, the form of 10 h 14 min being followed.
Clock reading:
4 h 29 min
